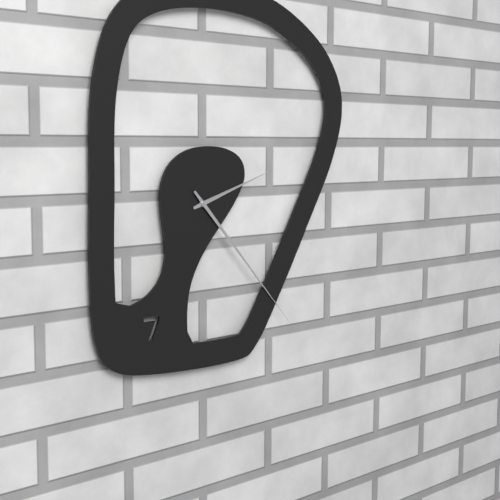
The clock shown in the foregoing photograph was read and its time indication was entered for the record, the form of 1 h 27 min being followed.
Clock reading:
2 h 23 min
